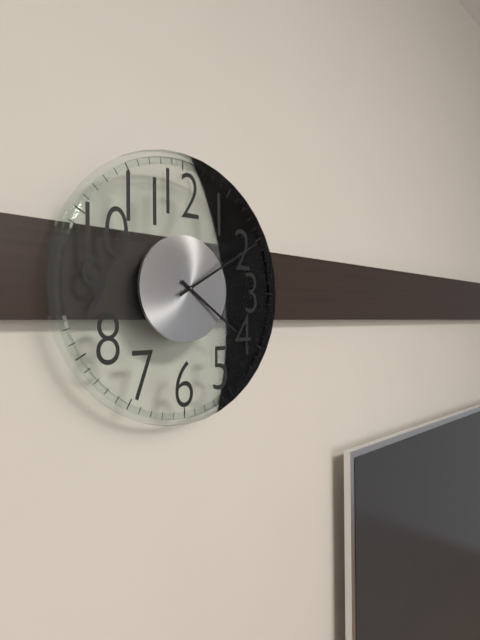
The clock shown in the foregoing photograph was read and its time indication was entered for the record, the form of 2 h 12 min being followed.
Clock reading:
4 h 10 min
